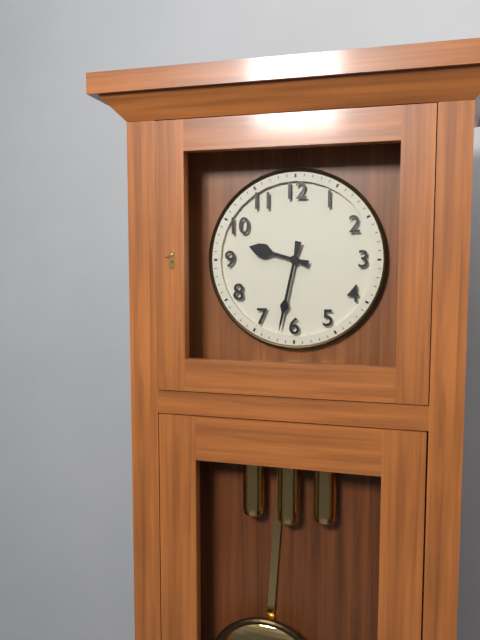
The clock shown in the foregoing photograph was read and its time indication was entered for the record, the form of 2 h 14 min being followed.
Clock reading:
9 h 32 min
